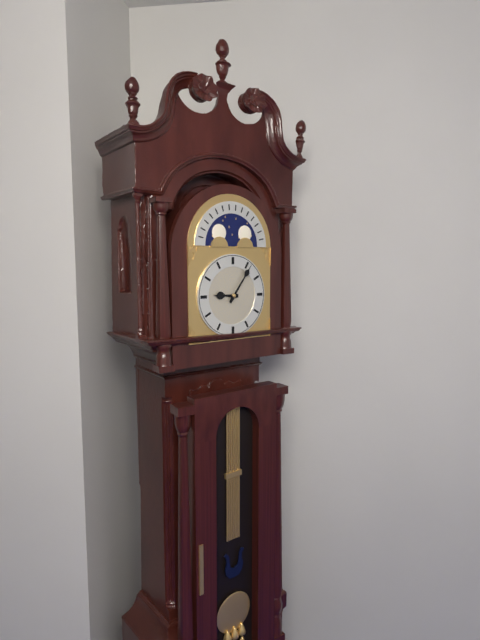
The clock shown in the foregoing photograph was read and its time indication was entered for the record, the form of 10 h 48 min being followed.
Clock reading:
9 h 06 min
